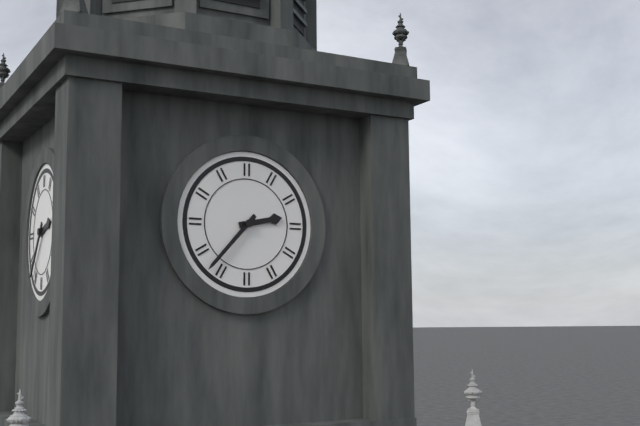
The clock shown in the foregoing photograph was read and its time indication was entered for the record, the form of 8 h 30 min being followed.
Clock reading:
2 h 37 min
